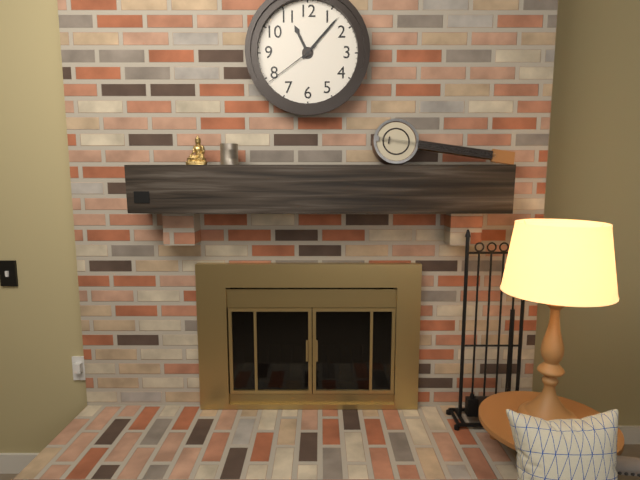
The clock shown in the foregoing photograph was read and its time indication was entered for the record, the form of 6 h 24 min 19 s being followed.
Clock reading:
11 h 07 min 39 s
